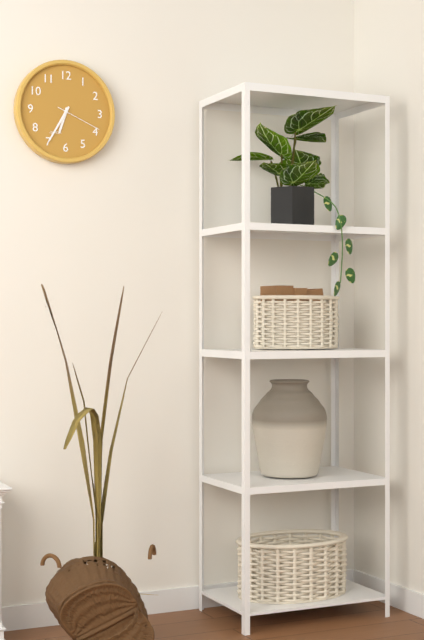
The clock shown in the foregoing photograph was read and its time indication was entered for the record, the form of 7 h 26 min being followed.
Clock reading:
6 h 35 min
